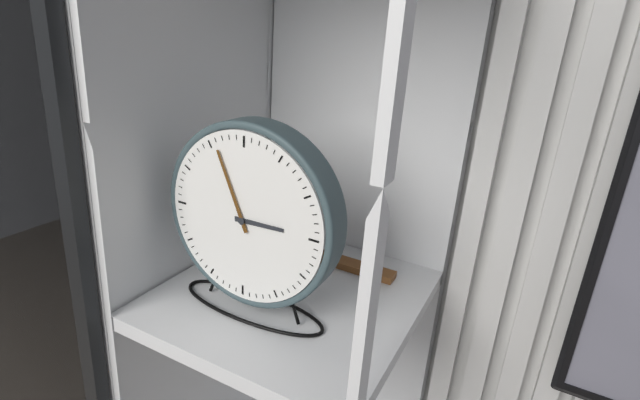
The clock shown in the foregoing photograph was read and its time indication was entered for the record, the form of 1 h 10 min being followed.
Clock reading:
2 h 56 min
